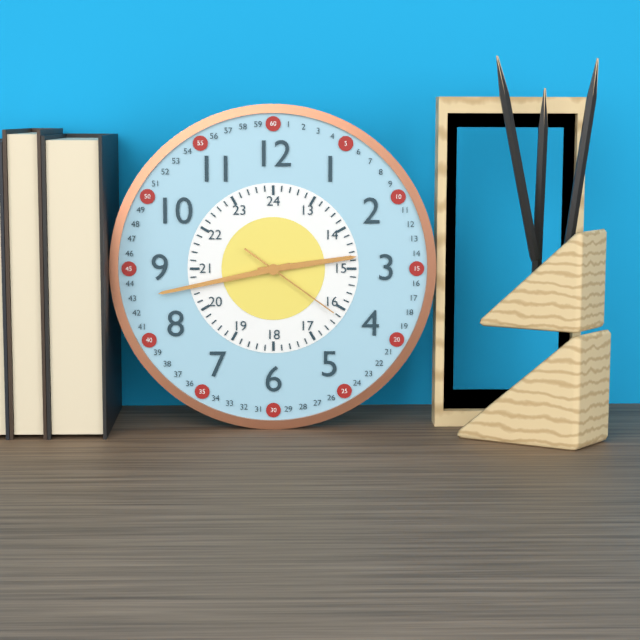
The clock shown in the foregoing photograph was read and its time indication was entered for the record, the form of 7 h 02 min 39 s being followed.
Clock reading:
2 h 43 min 21 s
